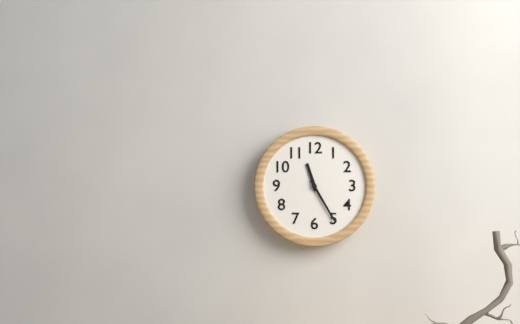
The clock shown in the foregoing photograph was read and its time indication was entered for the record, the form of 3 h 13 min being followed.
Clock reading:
11 h 25 min
